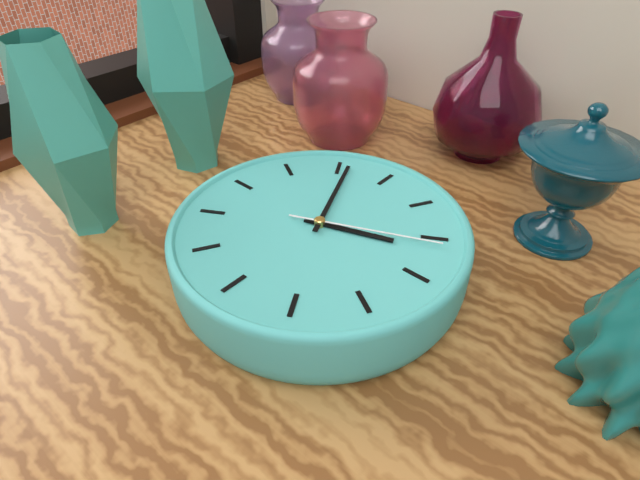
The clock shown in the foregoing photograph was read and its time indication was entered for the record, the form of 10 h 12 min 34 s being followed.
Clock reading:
7 h 21 min 36 s
